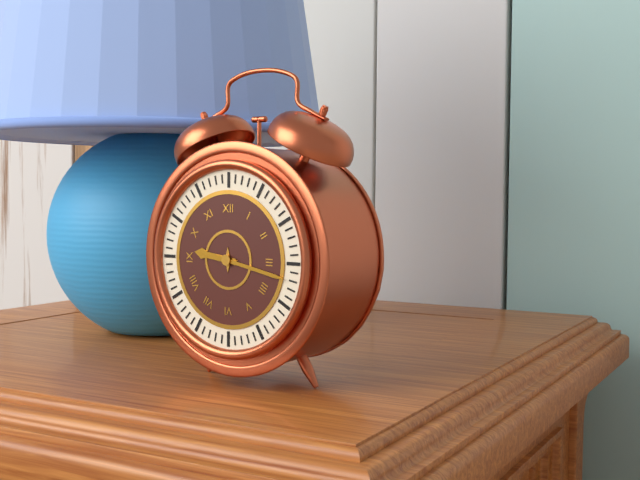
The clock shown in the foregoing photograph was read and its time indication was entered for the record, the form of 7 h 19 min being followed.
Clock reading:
9 h 17 min
